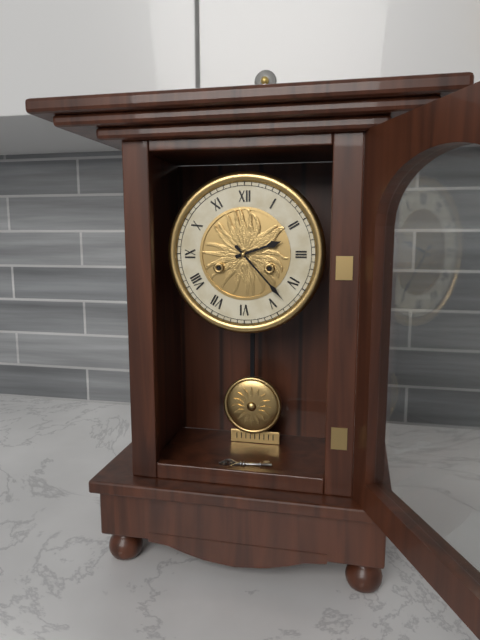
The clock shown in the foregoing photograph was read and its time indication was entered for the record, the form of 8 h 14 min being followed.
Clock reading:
2 h 23 min
